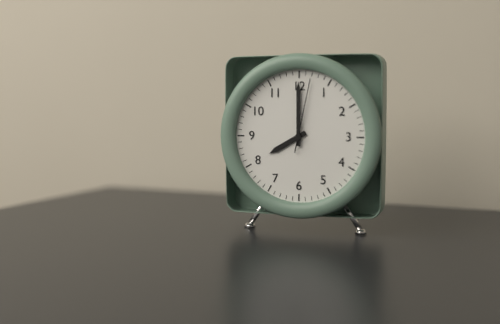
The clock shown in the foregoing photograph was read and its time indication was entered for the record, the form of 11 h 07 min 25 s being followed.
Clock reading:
8 h 00 min 02 s
